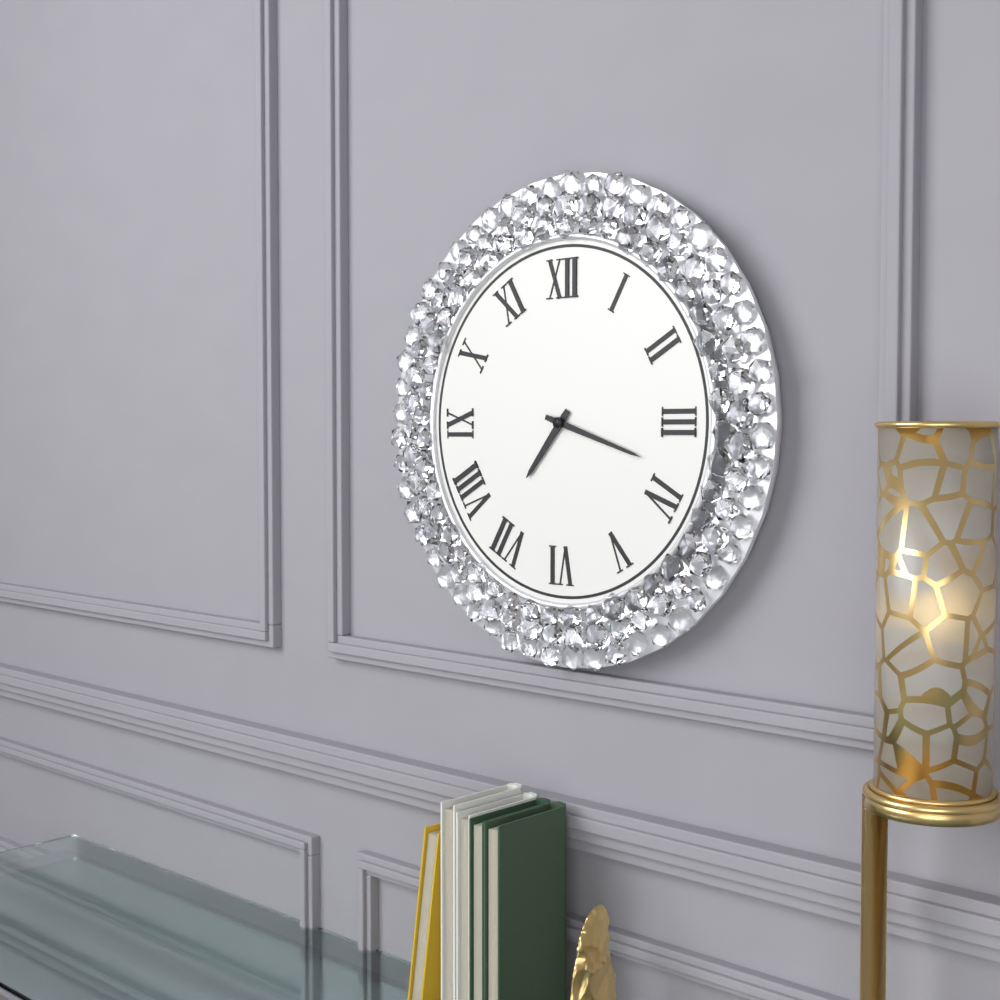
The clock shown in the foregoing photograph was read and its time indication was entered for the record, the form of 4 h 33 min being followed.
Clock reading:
7 h 18 min
